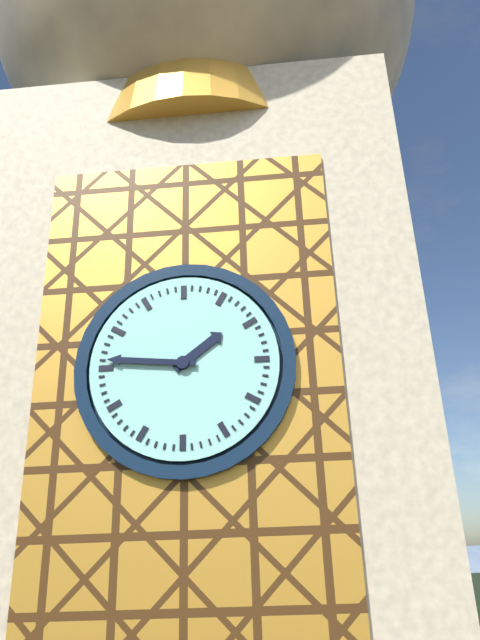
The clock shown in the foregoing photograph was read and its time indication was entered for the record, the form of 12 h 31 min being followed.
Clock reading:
1 h 46 min
